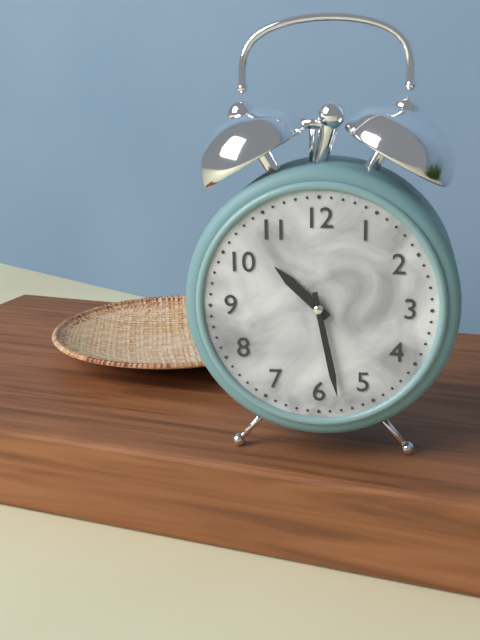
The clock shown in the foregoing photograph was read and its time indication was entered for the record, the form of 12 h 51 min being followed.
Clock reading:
10 h 28 min
